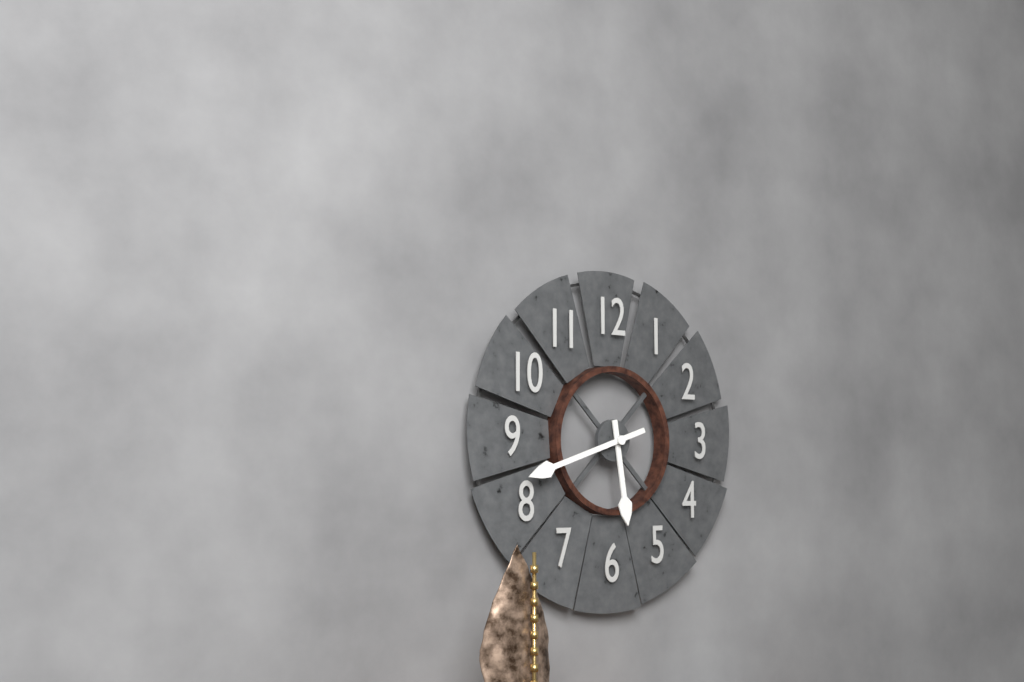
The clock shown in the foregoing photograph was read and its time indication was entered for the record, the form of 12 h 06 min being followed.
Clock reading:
5 h 42 min
